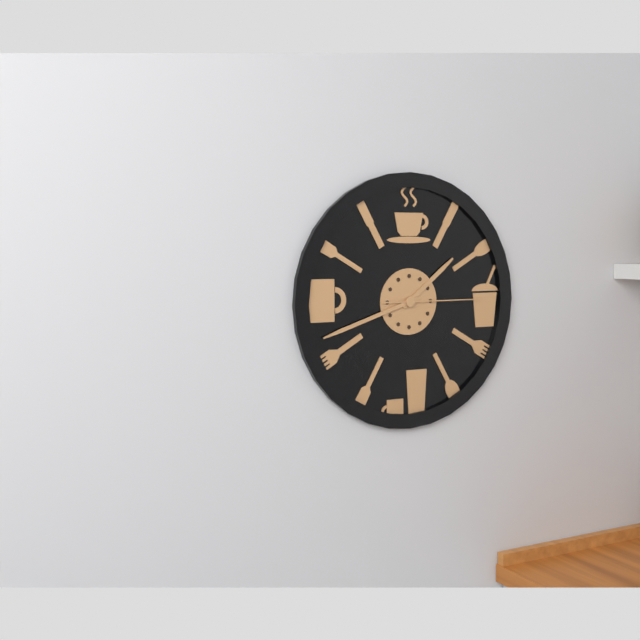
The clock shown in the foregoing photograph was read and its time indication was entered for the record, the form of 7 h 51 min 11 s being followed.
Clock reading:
1 h 42 min 15 s
